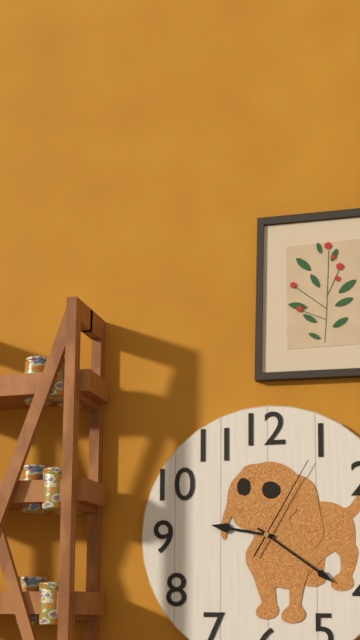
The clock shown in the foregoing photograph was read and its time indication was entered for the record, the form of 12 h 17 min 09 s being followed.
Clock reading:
9 h 21 min 05 s
